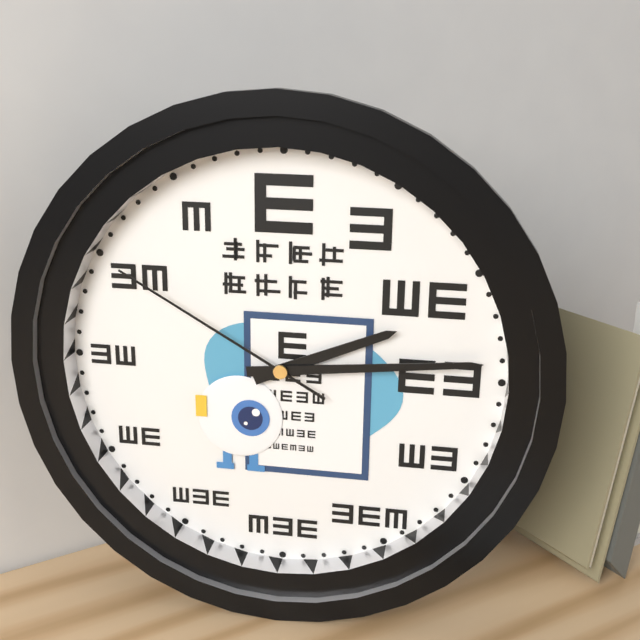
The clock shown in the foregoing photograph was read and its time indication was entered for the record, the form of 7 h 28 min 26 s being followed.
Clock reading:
2 h 14 min 50 s
